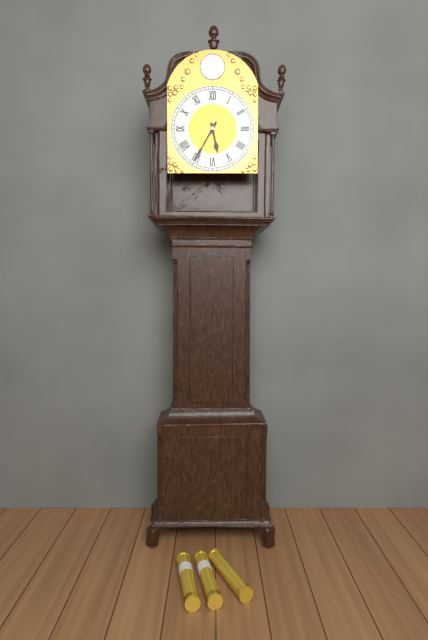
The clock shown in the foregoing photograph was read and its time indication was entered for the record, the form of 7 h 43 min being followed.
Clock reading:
5 h 35 min
